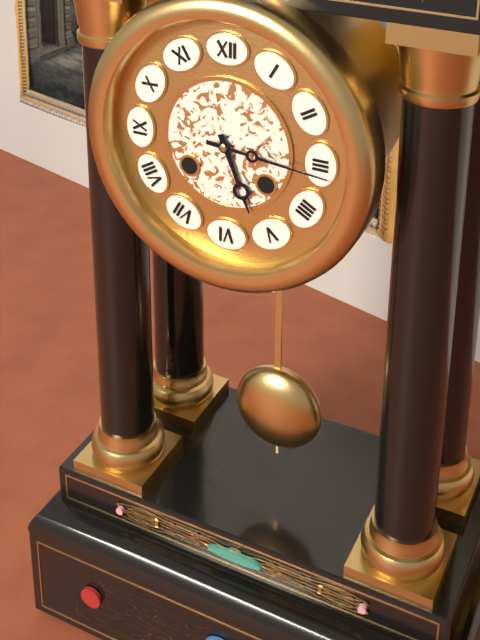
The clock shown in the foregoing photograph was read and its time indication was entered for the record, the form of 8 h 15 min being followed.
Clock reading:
5 h 16 min
